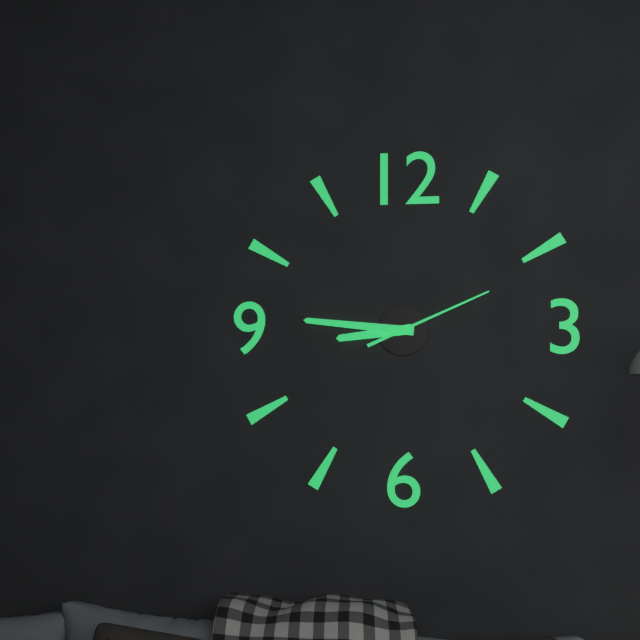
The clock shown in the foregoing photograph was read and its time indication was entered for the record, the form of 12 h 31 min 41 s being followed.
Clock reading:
8 h 46 min 11 s
